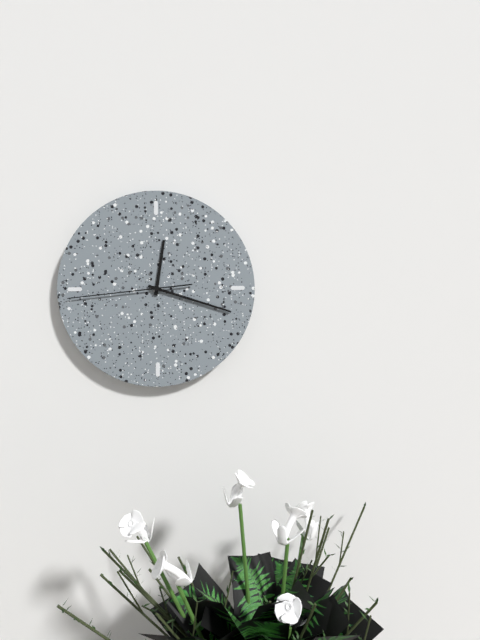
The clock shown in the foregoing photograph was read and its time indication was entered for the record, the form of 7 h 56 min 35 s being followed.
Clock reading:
12 h 18 min 44 s
